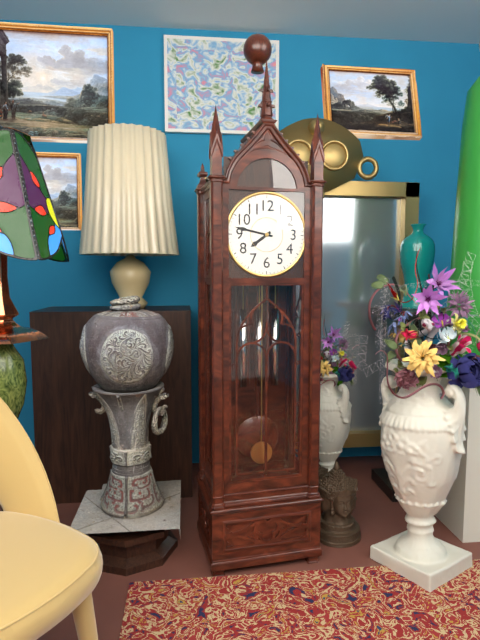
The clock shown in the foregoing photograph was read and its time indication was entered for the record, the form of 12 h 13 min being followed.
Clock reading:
7 h 47 min
